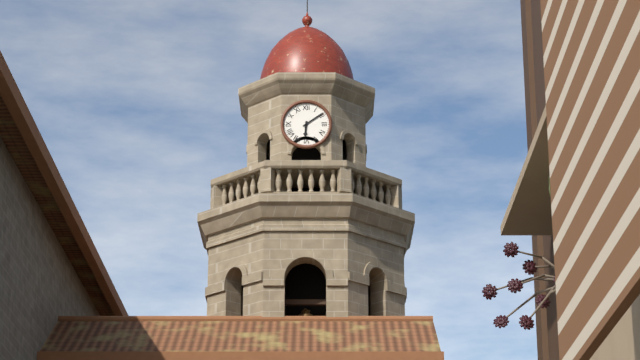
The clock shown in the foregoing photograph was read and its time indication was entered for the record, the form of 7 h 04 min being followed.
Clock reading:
6 h 09 min
